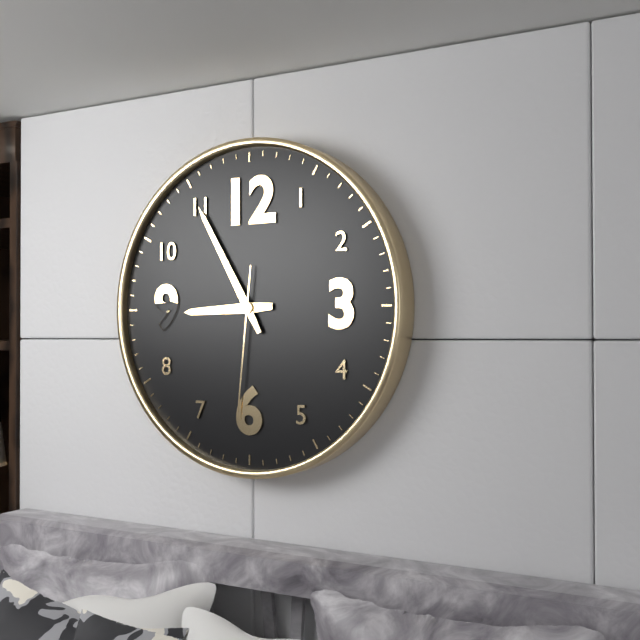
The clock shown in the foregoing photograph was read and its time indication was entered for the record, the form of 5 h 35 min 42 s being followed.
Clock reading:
8 h 55 min 31 s
